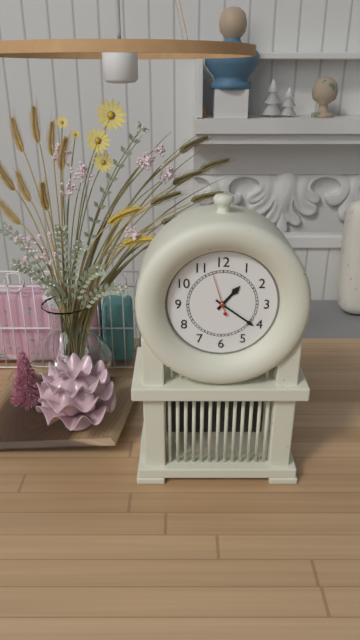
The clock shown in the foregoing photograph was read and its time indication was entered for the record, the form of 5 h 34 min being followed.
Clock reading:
1 h 21 min
